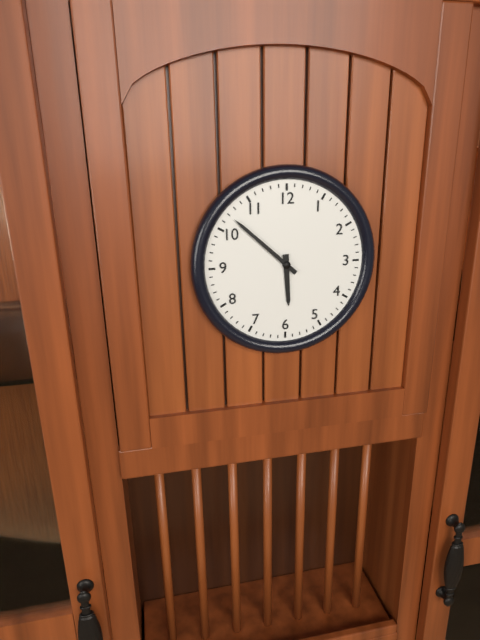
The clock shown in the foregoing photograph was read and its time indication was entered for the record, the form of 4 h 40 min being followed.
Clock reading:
5 h 52 min
